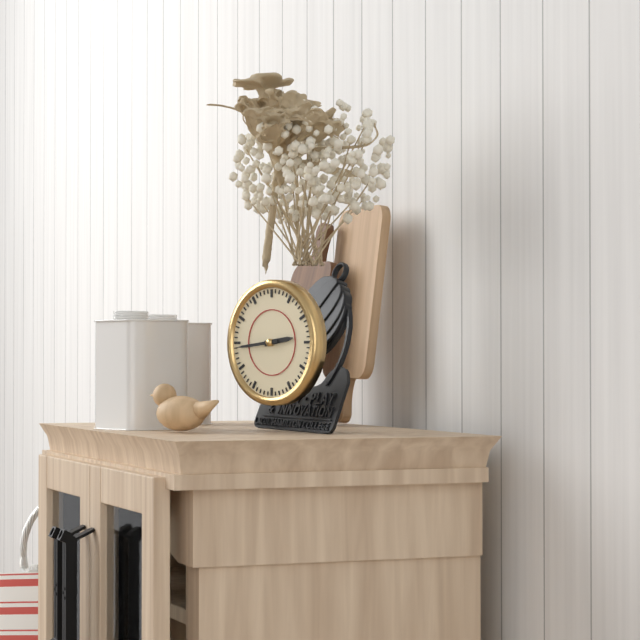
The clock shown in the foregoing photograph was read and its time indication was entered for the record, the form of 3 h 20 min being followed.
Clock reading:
2 h 44 min
